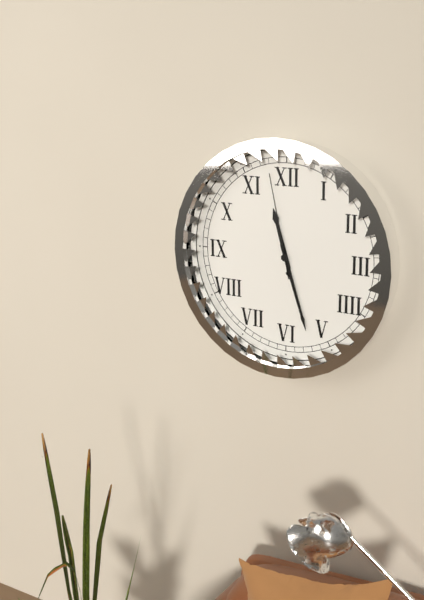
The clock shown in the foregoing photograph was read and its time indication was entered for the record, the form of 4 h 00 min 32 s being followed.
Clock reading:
11 h 27 min 58 s
